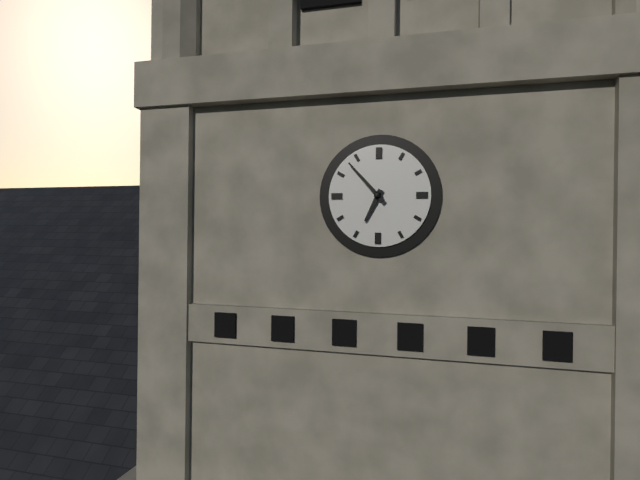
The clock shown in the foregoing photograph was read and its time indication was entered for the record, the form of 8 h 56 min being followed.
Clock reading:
6 h 53 min
